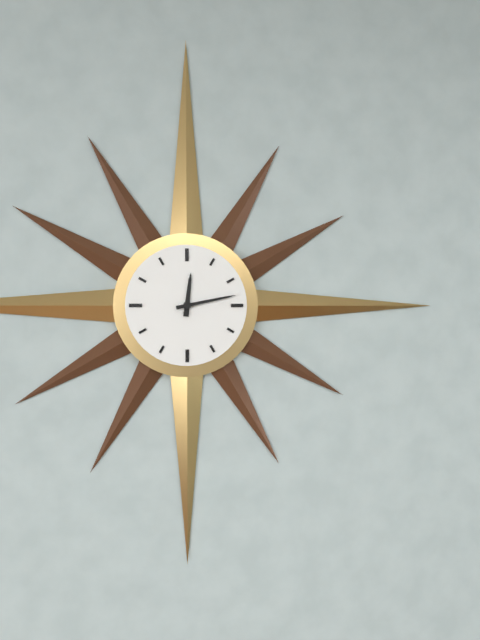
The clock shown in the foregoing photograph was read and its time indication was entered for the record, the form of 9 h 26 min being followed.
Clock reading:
12 h 13 min
